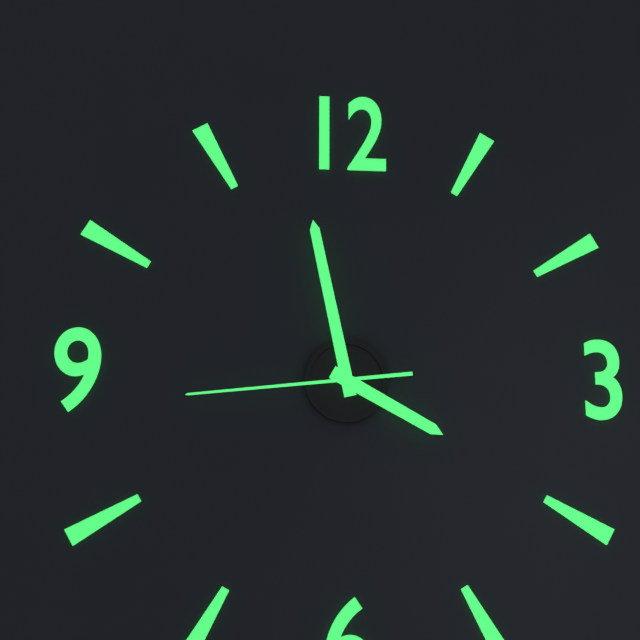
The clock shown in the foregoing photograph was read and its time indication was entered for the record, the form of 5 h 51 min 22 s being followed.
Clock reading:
3 h 58 min 44 s
